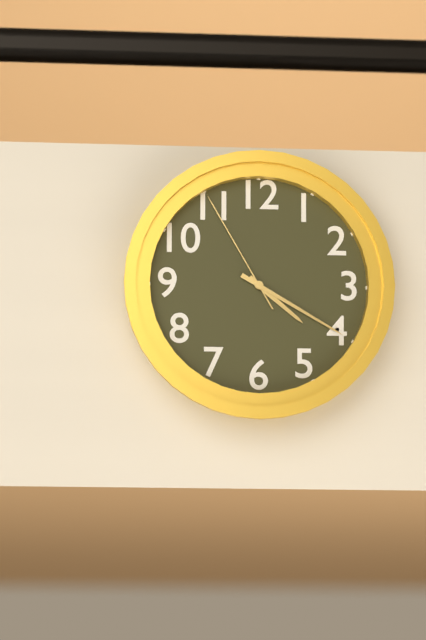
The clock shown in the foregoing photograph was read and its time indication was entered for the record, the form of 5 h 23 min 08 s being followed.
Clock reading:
4 h 20 min 55 s
